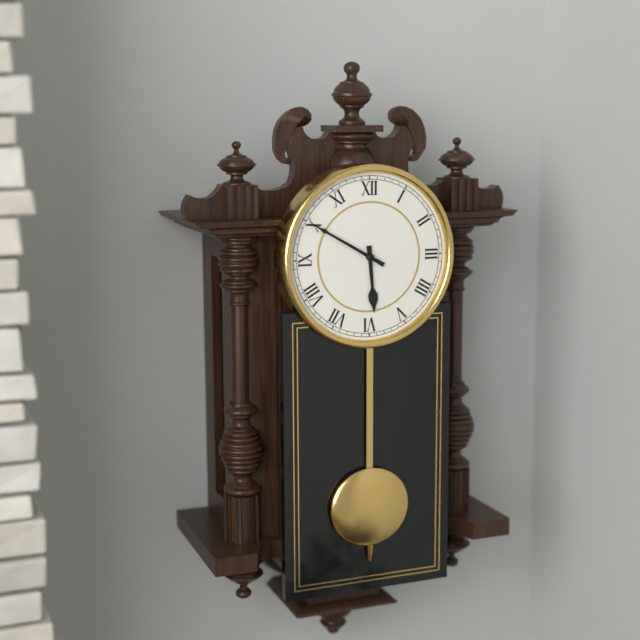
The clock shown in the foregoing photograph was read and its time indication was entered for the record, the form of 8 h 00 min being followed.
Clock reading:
5 h 50 min
